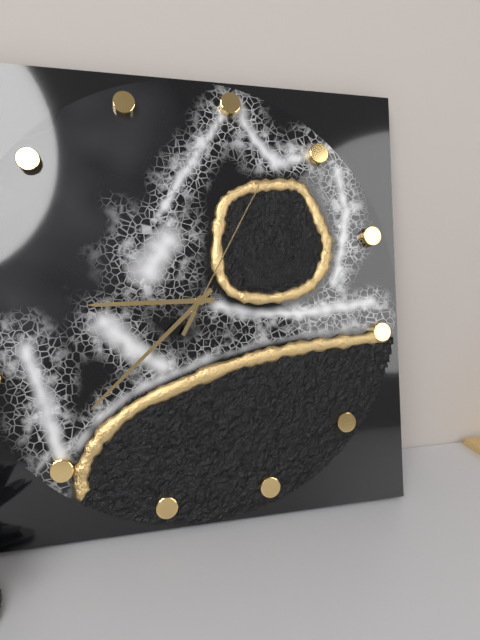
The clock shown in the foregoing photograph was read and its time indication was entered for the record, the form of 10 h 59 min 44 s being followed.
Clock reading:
8 h 36 min 03 s
